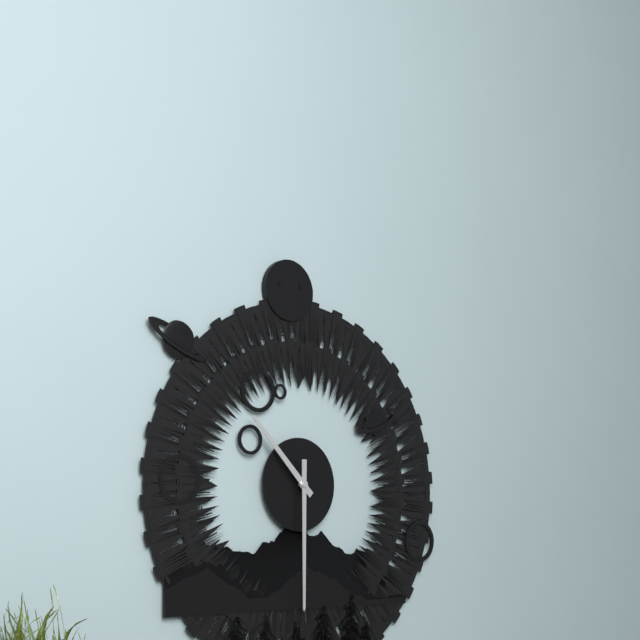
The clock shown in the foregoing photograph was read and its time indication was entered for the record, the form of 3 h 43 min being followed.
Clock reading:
10 h 30 min
